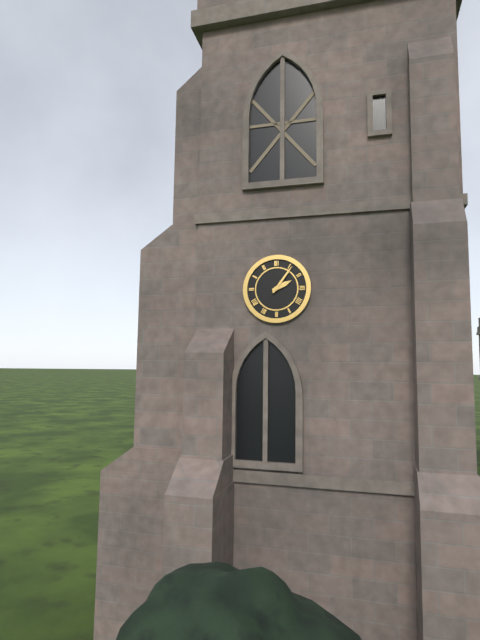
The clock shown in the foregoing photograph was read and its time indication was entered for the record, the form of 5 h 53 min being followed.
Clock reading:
2 h 06 min
